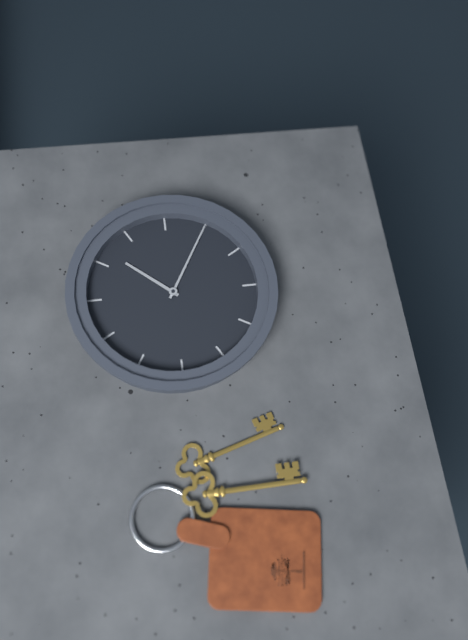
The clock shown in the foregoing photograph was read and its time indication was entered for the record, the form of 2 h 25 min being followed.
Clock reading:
1 h 20 min
